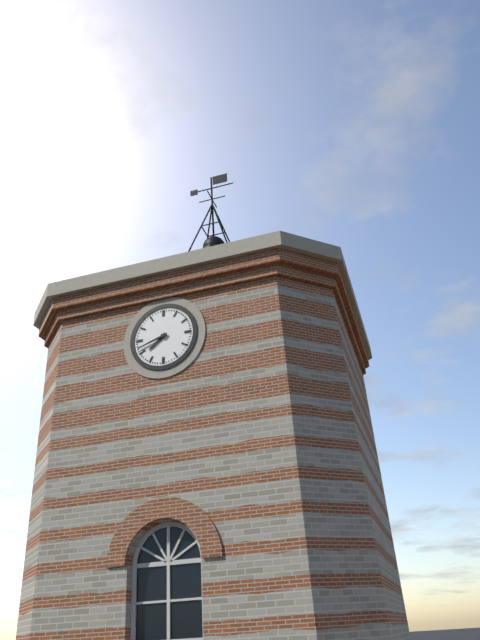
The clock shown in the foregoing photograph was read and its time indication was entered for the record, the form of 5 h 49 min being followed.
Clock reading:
7 h 42 min
